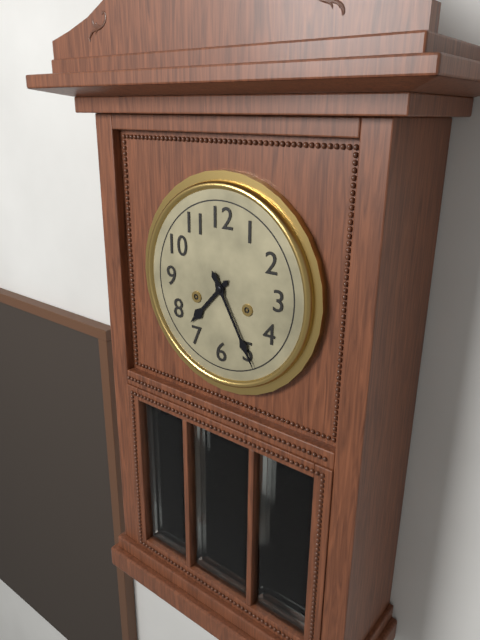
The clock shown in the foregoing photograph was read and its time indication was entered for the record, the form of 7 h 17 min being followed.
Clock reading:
7 h 25 min
